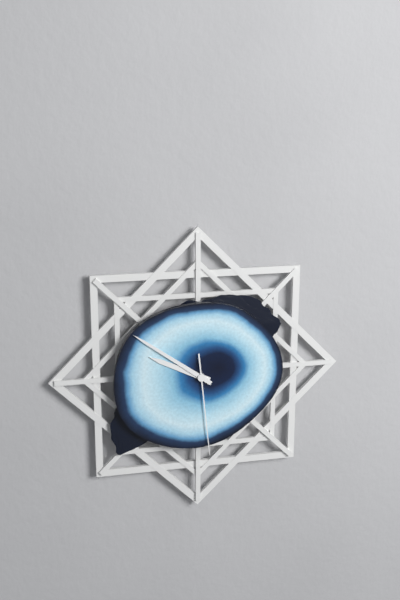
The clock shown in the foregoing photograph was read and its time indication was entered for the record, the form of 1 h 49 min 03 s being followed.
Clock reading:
9 h 51 min 29 s
